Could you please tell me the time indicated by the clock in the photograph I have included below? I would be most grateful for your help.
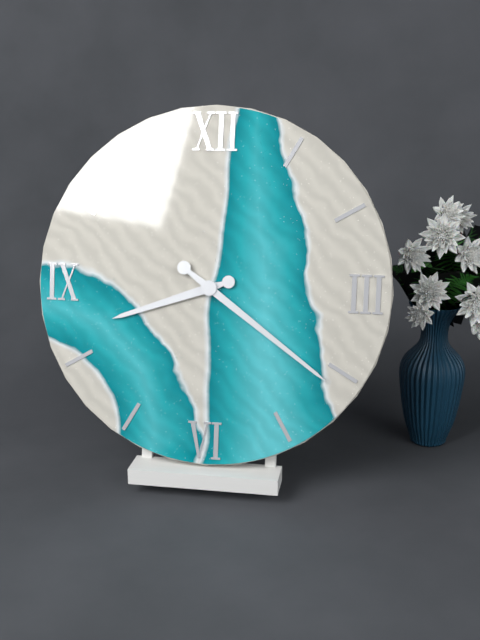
8:21
